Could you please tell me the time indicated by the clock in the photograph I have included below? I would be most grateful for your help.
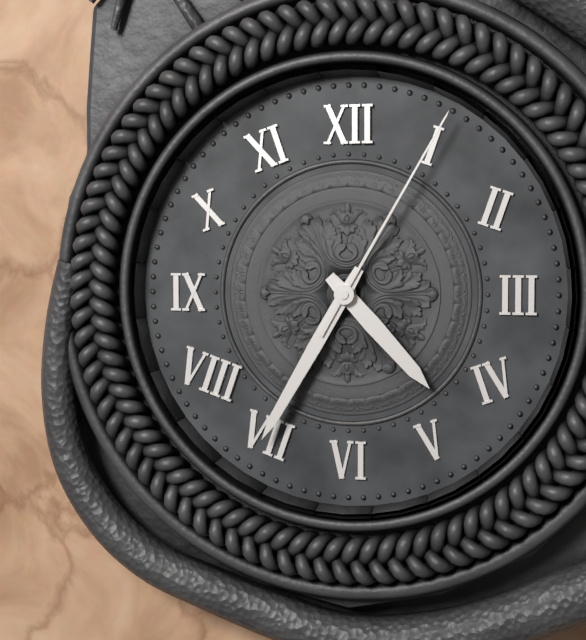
4:35:05
